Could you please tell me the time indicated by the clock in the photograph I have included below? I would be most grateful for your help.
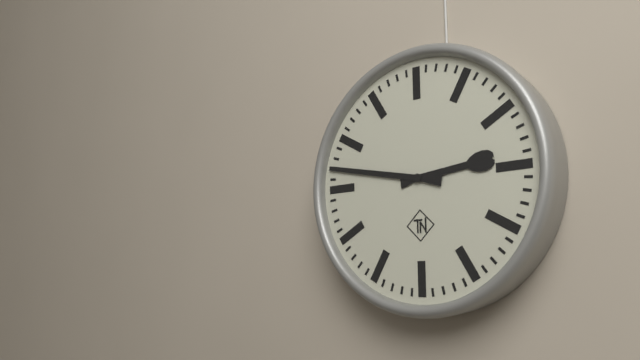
2:47
